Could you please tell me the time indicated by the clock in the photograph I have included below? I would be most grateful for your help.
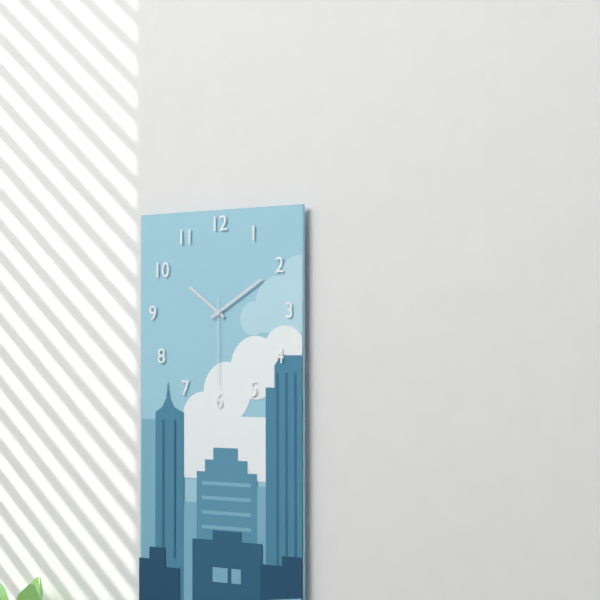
10:10:30
